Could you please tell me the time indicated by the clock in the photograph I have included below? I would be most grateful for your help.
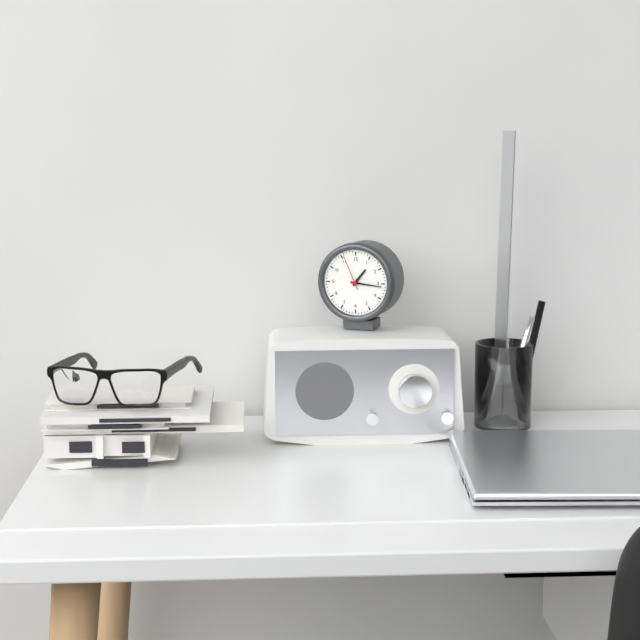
1:16
